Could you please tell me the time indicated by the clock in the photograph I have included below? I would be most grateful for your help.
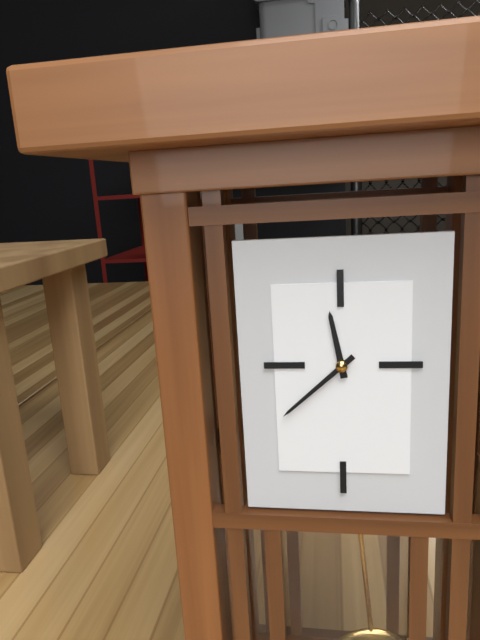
11:38
